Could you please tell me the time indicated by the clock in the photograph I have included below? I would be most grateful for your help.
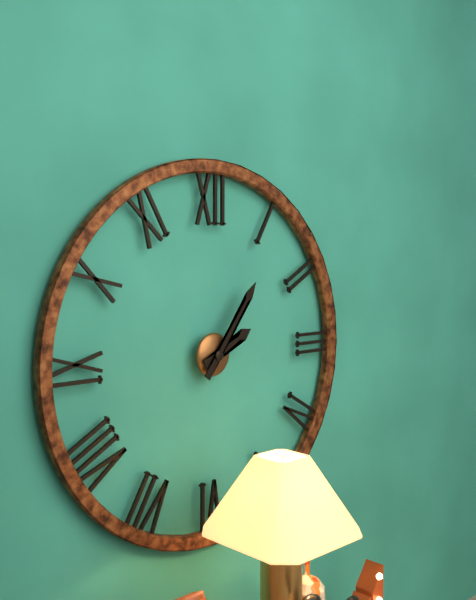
2:06
